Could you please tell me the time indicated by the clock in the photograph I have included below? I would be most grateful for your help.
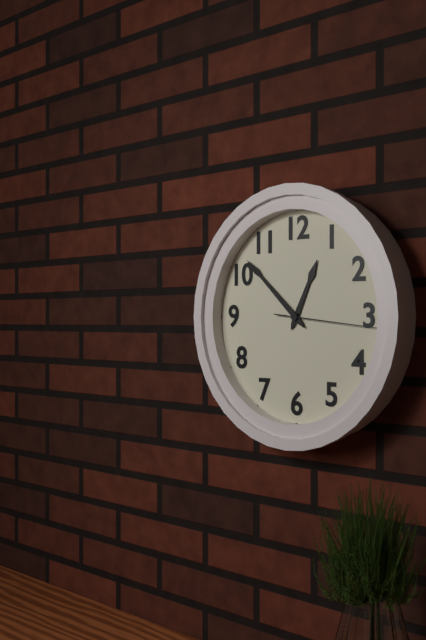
12:52:16
